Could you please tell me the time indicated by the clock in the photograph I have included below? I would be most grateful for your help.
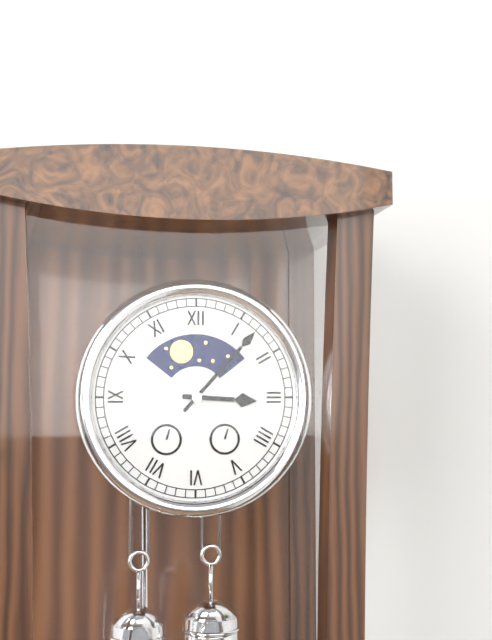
3:07
